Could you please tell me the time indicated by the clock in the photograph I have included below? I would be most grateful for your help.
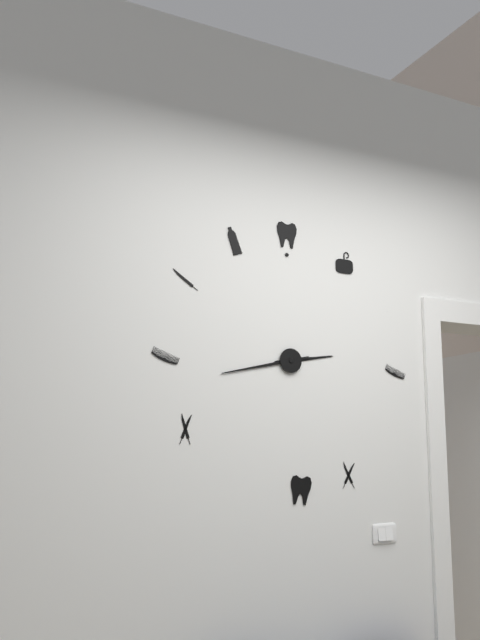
2:43
